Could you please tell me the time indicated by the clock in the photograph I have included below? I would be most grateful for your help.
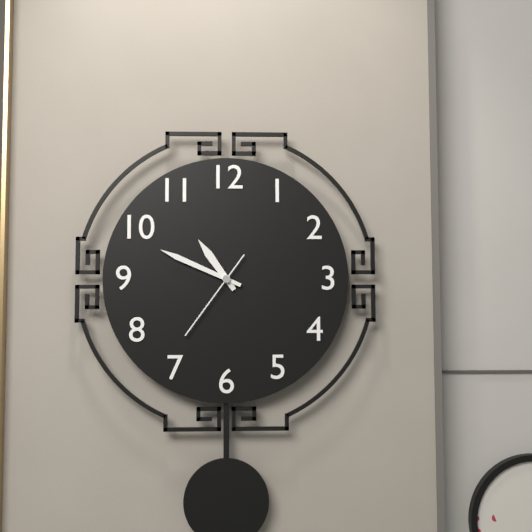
10:49:36
